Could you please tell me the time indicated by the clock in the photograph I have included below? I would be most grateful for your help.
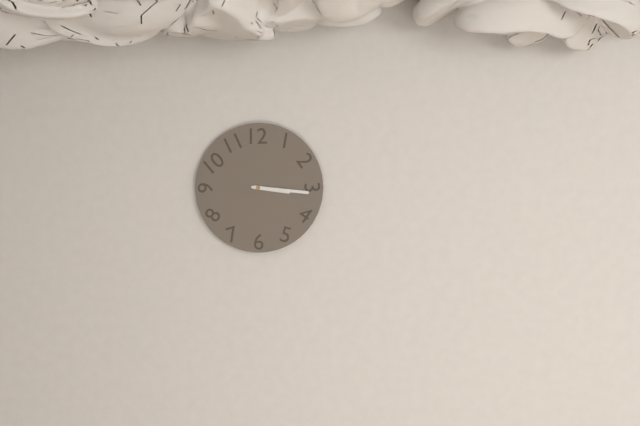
3:16
